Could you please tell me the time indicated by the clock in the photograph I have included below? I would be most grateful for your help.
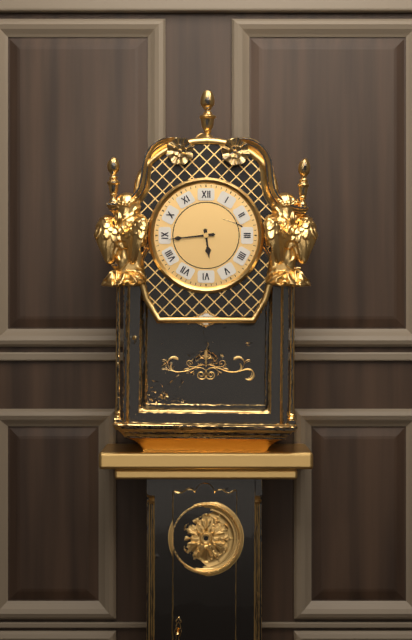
5:44
